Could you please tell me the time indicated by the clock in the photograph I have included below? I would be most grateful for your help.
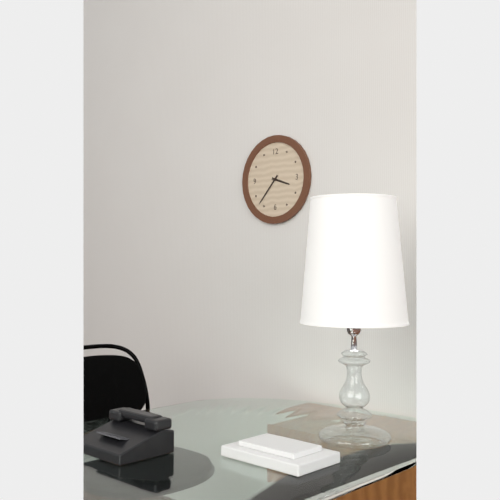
3:37
